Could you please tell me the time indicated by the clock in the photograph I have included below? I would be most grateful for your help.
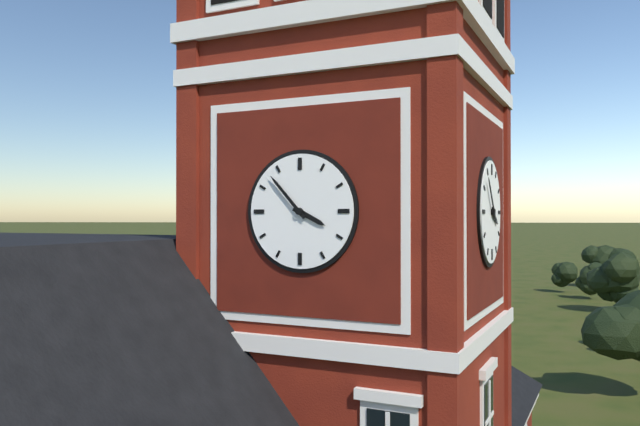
3:53
